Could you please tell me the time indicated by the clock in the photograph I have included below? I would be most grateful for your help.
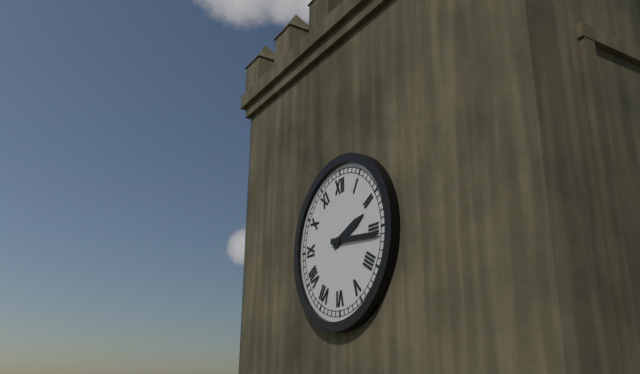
2:16
